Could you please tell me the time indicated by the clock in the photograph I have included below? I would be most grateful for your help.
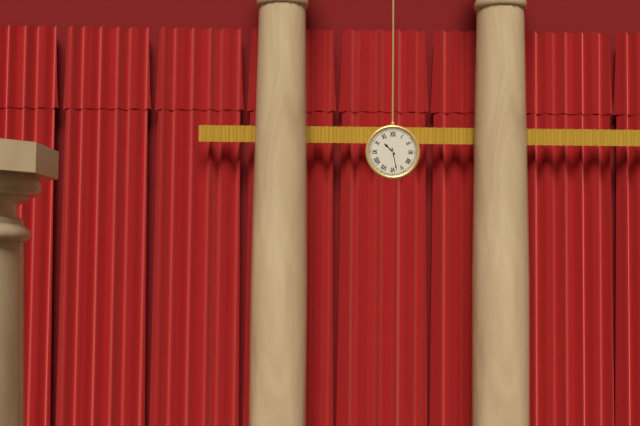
10:28
